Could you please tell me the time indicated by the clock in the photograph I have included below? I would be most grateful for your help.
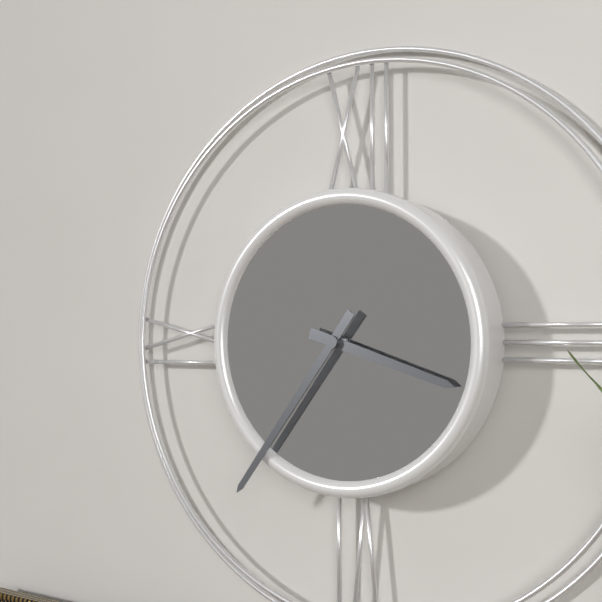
3:36
